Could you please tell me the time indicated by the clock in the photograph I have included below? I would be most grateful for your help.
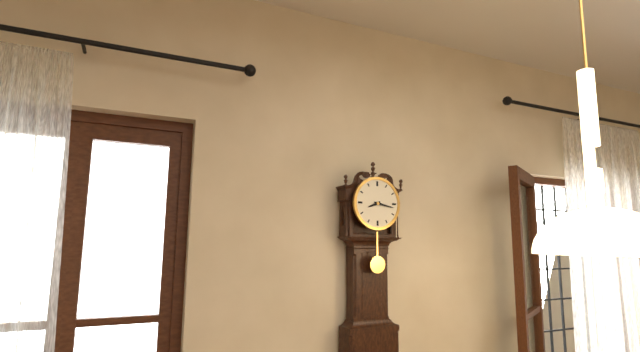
8:17
